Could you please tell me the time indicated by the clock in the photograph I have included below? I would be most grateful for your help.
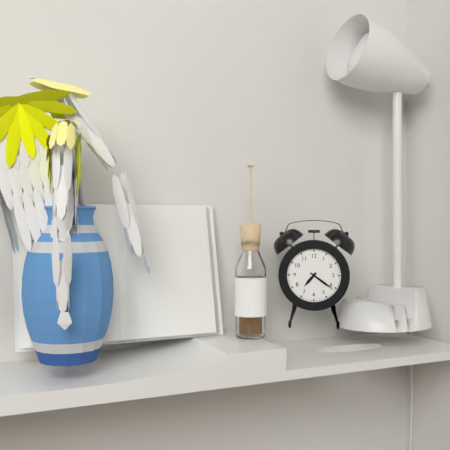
7:21
